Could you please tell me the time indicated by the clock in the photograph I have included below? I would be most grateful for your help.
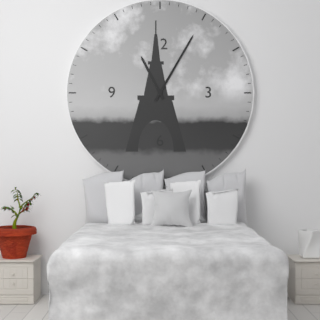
11:05
